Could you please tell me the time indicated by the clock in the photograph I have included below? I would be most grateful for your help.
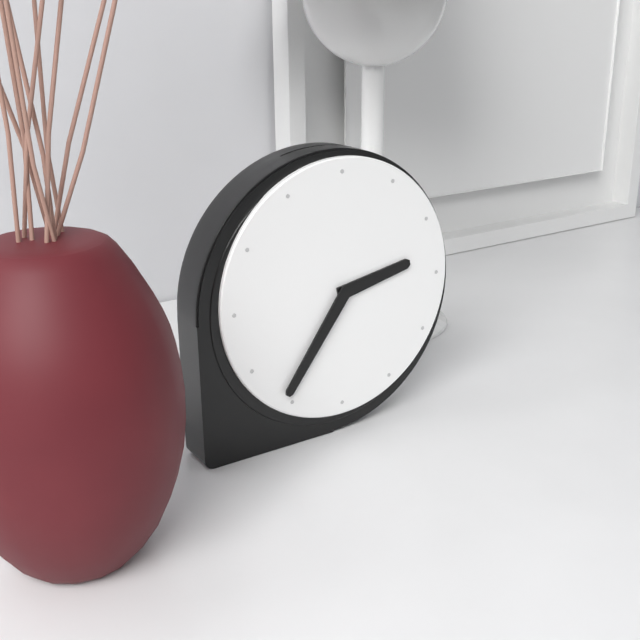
2:36
